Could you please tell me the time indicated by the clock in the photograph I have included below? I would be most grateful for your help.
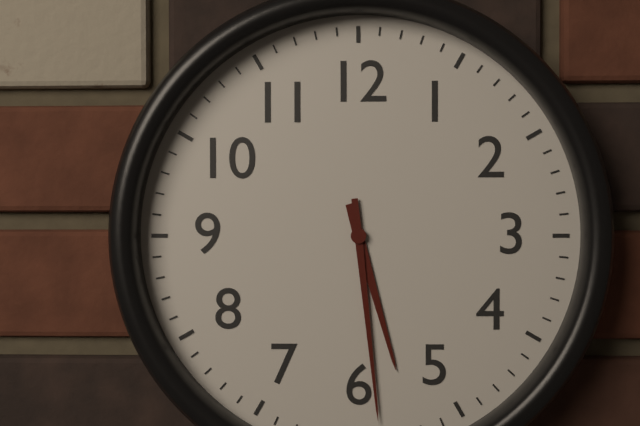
5:29
